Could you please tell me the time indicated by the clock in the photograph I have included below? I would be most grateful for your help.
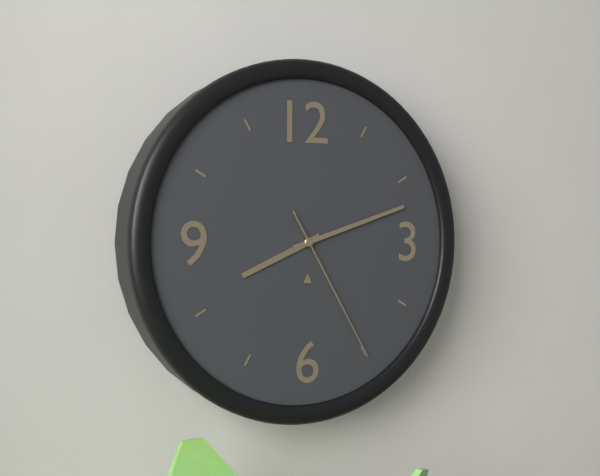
8:12:25
